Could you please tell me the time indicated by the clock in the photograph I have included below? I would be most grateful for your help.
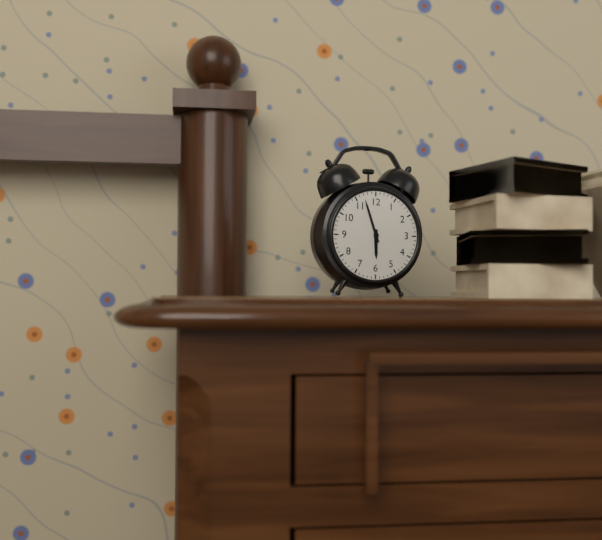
5:57
